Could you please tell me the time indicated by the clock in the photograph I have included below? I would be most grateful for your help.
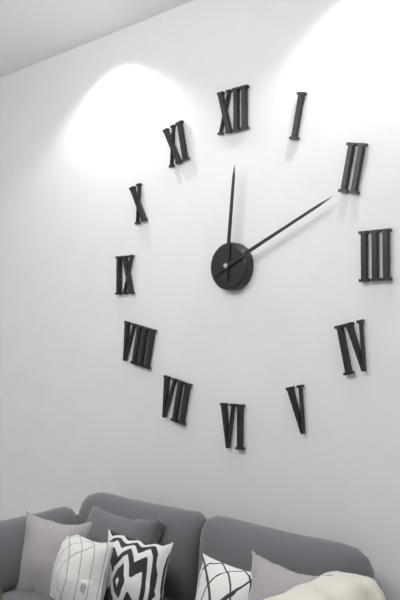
12:11
